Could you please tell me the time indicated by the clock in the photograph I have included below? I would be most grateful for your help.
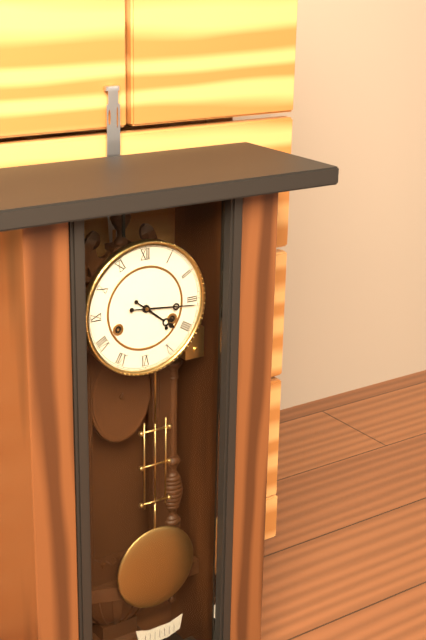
4:16
